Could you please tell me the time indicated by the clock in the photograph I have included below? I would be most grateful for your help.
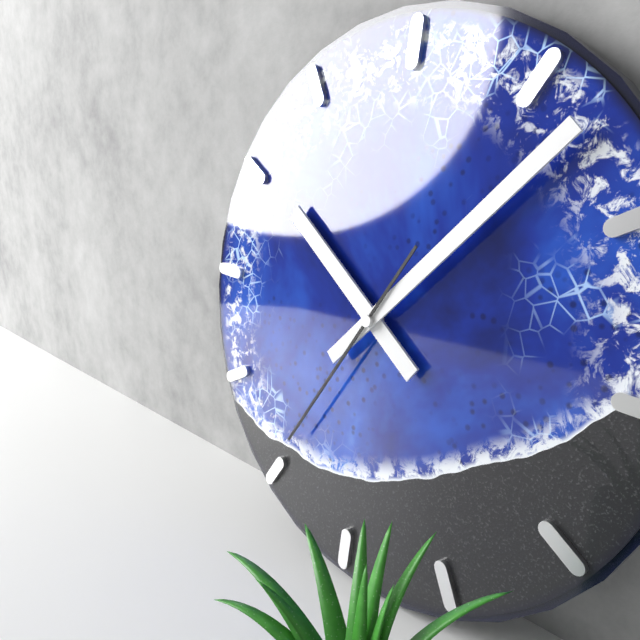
10:07:35
